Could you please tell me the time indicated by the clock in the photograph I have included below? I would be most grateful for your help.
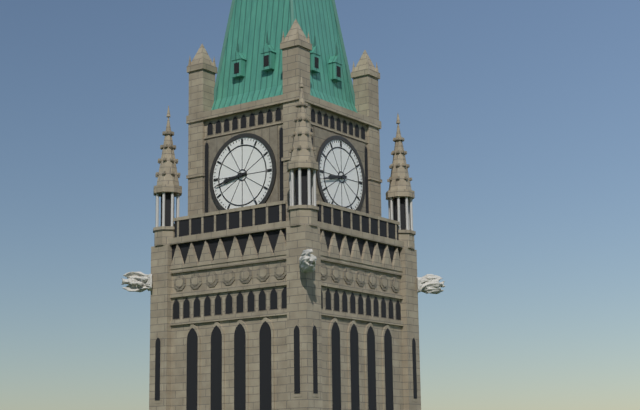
8:43
